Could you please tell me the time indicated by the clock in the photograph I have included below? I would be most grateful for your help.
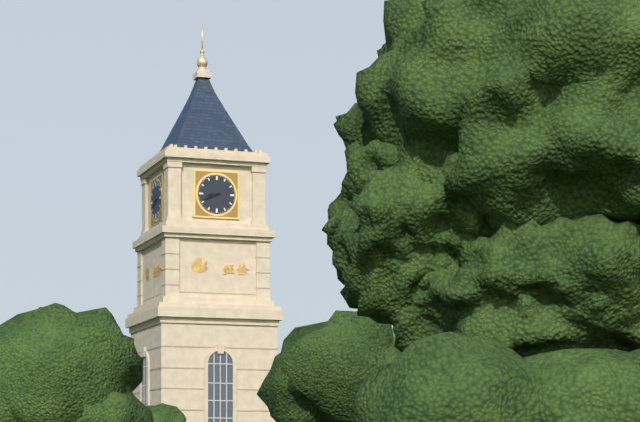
8:41
